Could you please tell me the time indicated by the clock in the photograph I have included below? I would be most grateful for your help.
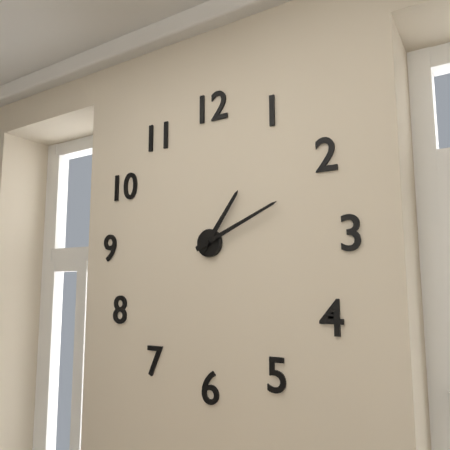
1:11
